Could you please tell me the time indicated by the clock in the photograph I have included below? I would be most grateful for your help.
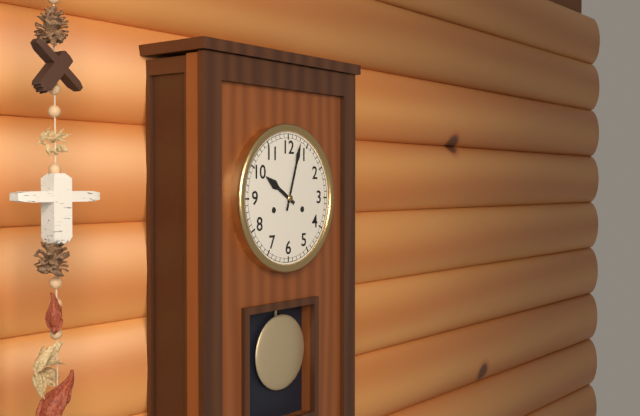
10:03
